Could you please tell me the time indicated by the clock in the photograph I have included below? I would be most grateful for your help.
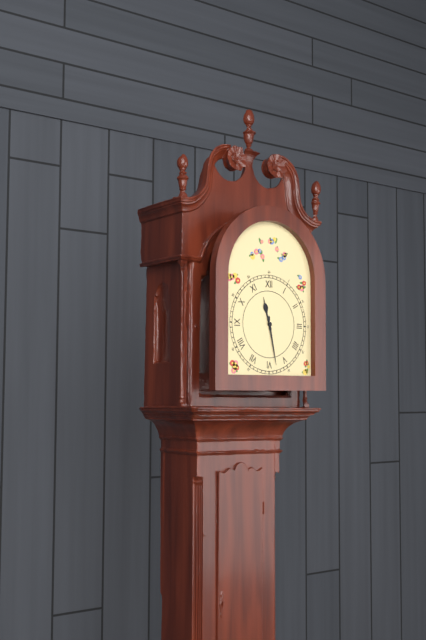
11:28
